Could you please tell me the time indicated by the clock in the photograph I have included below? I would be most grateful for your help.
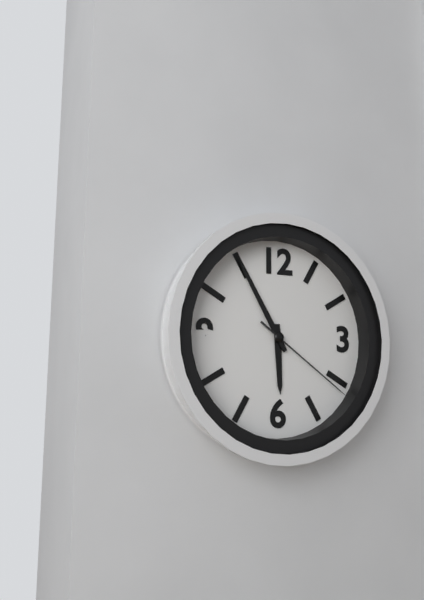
5:55:21
